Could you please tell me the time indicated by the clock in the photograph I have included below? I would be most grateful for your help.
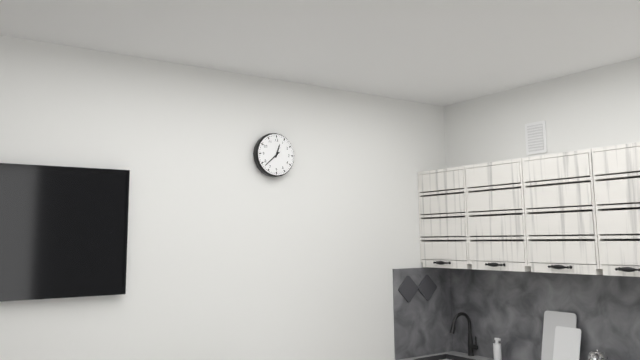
12:38
